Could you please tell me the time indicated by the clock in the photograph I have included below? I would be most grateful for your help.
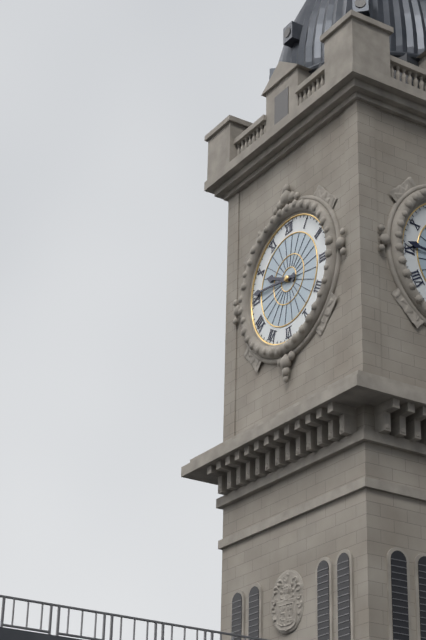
9:46
